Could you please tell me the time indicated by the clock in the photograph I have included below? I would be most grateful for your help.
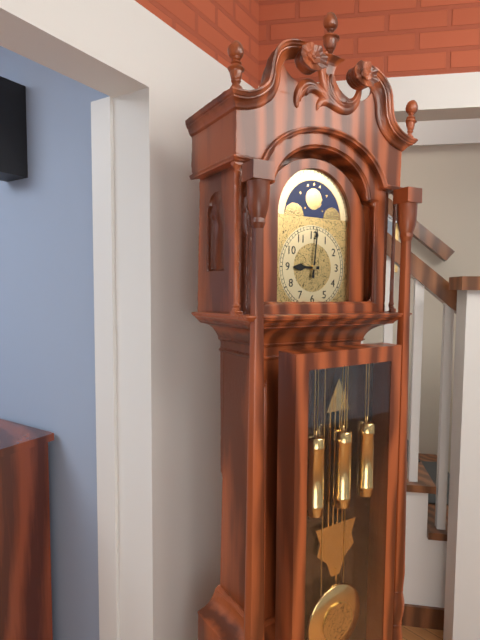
9:01
